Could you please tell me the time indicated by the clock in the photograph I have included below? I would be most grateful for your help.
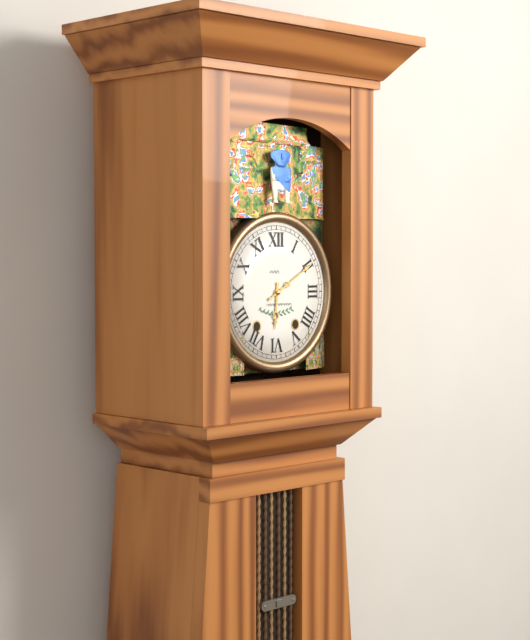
6:10
